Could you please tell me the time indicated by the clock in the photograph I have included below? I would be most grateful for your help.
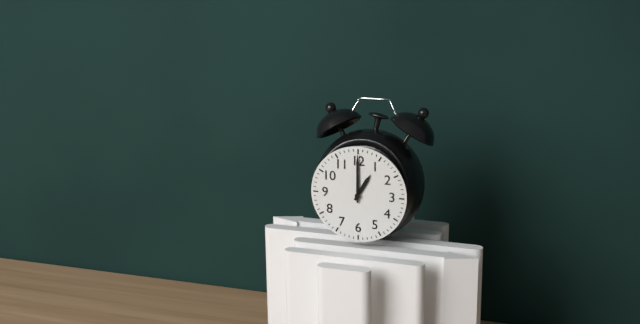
1:00
